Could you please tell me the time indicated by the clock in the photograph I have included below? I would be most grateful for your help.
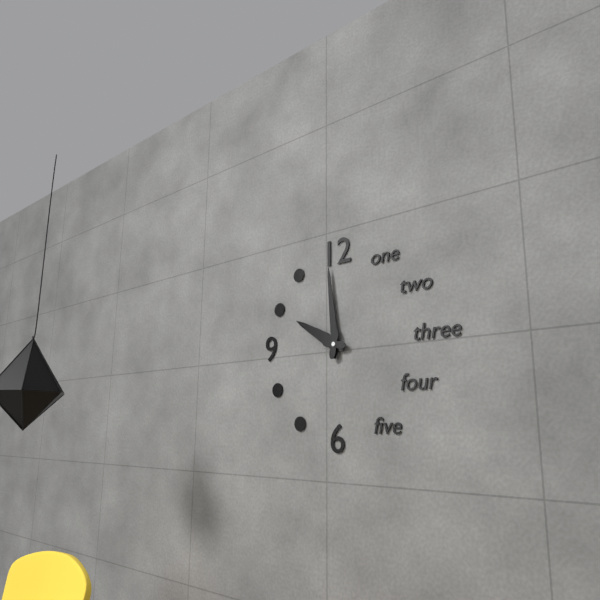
9:59
